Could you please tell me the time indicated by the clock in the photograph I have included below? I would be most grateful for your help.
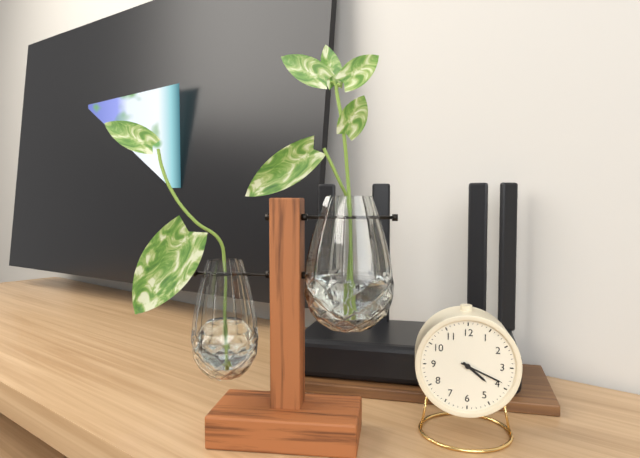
4:19
